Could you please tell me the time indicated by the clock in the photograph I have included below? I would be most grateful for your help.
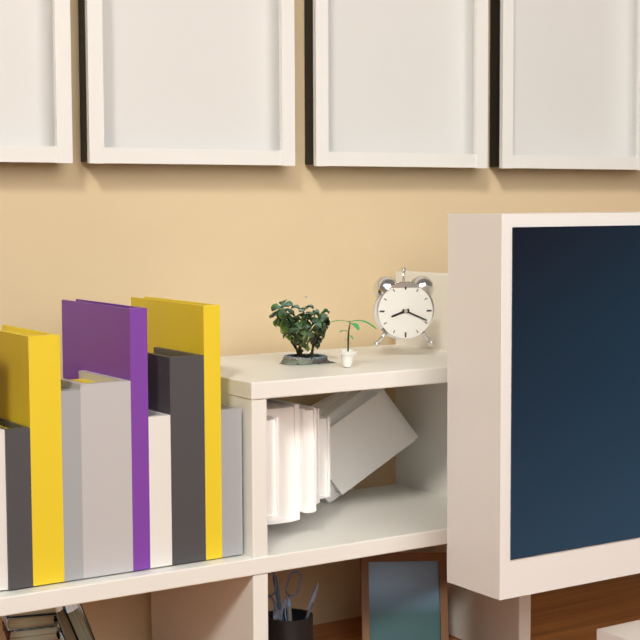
8:19
